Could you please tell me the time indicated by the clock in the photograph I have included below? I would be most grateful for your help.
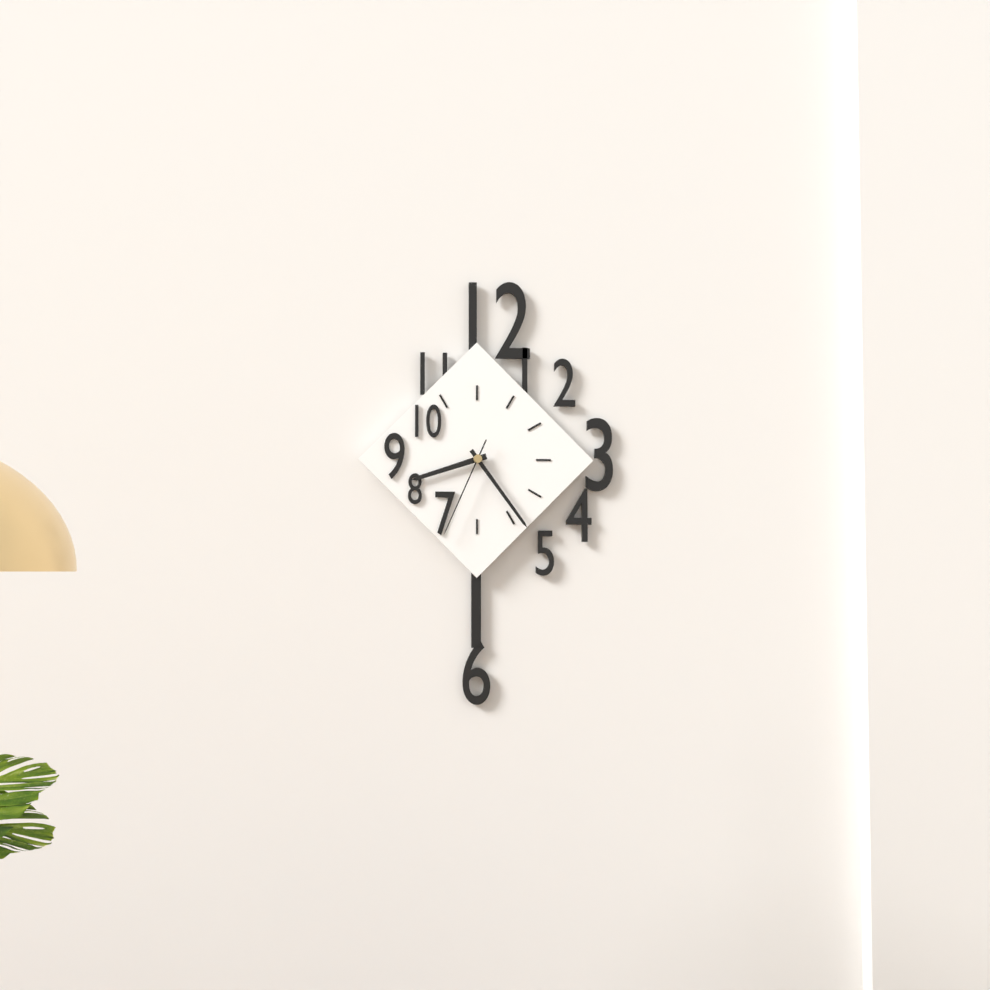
8:24:34
